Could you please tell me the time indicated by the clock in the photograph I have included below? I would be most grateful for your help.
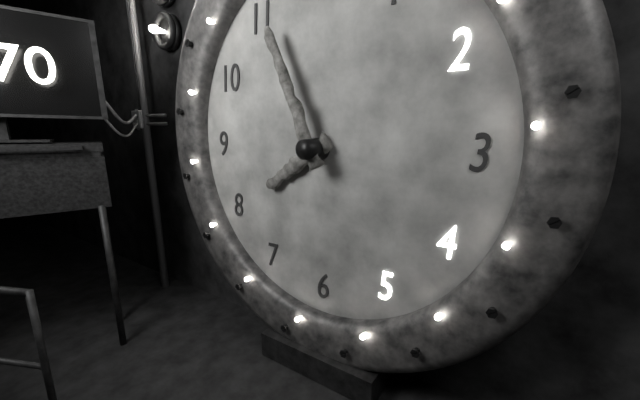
7:56
